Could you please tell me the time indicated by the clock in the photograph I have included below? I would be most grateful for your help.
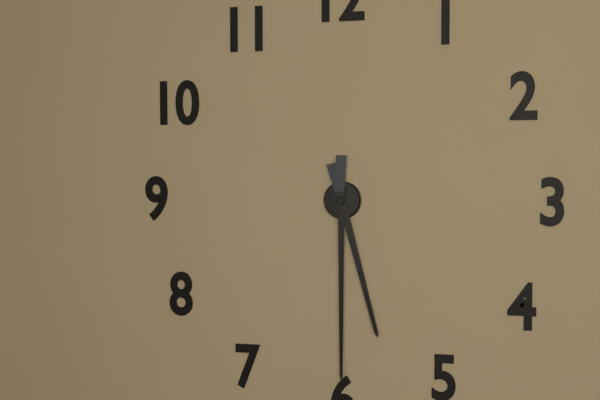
5:30
